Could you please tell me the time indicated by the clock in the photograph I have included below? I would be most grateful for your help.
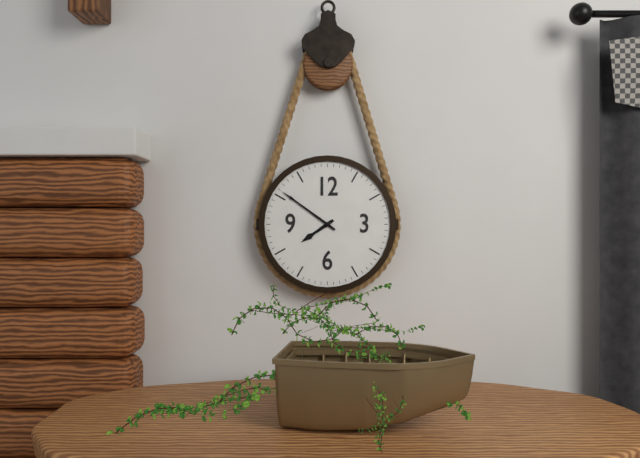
7:51
